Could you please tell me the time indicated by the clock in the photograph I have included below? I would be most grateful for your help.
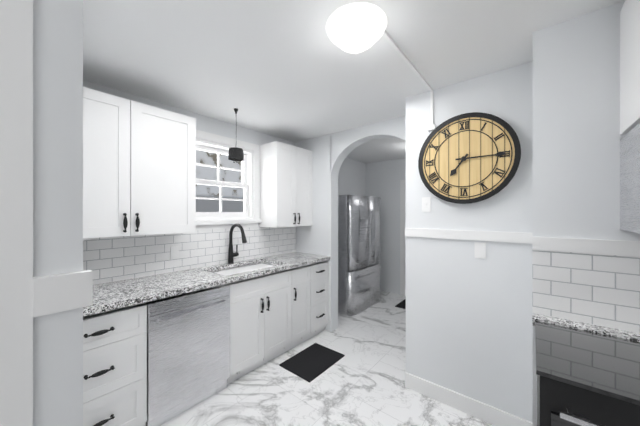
7:15
